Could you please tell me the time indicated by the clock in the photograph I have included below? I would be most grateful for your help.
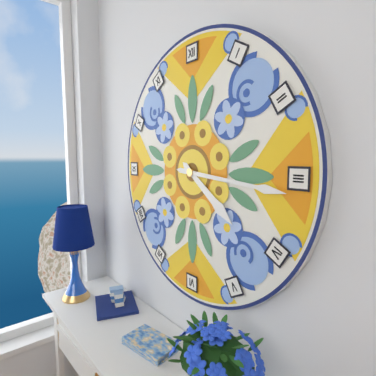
4:16
